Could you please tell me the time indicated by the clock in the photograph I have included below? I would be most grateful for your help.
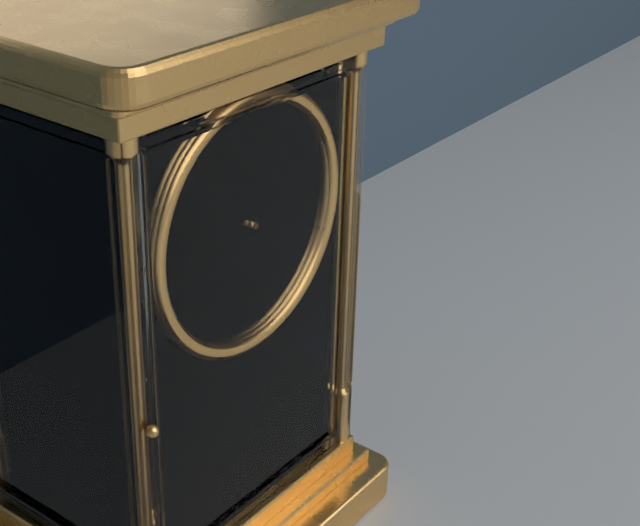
5:04
